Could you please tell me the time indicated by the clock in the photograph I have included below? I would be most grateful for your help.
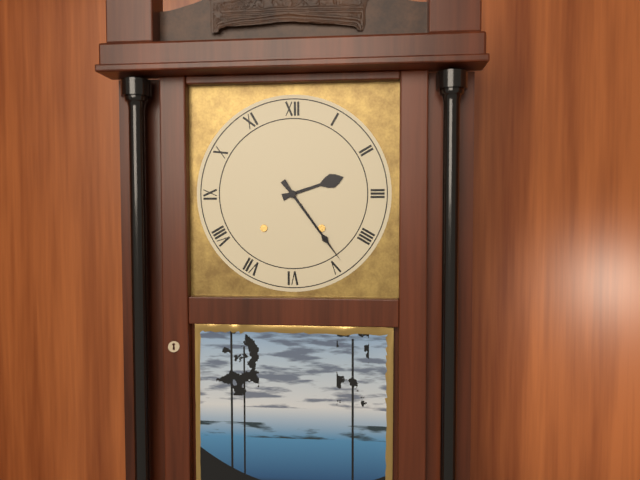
2:24
